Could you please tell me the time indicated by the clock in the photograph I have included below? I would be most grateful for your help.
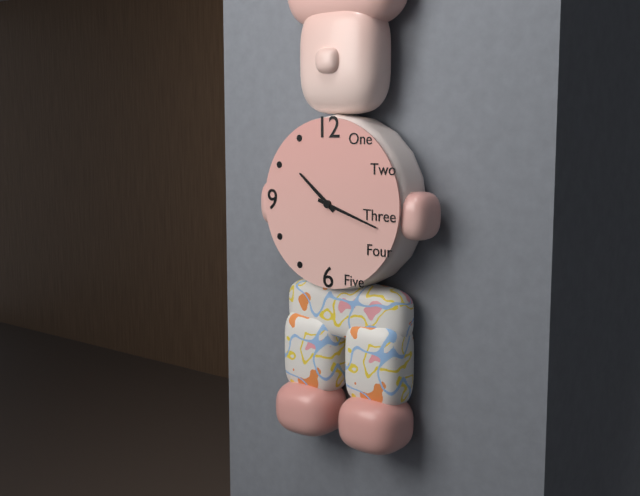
10:18
